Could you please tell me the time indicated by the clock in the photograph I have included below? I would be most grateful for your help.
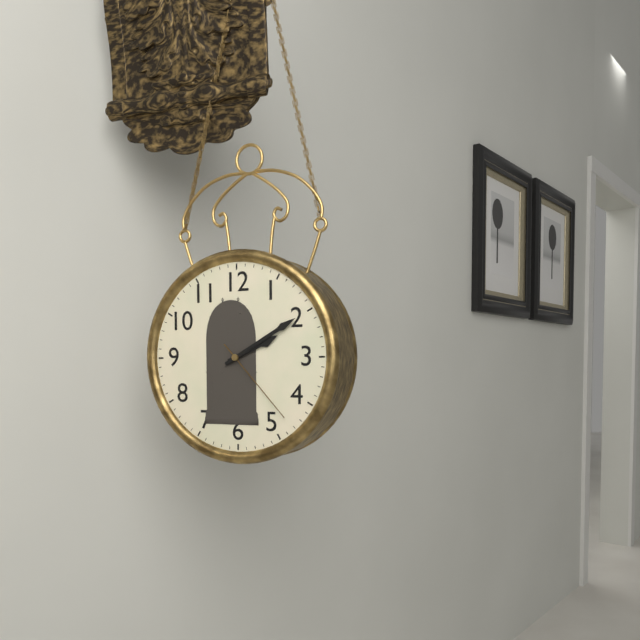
2:10:23
